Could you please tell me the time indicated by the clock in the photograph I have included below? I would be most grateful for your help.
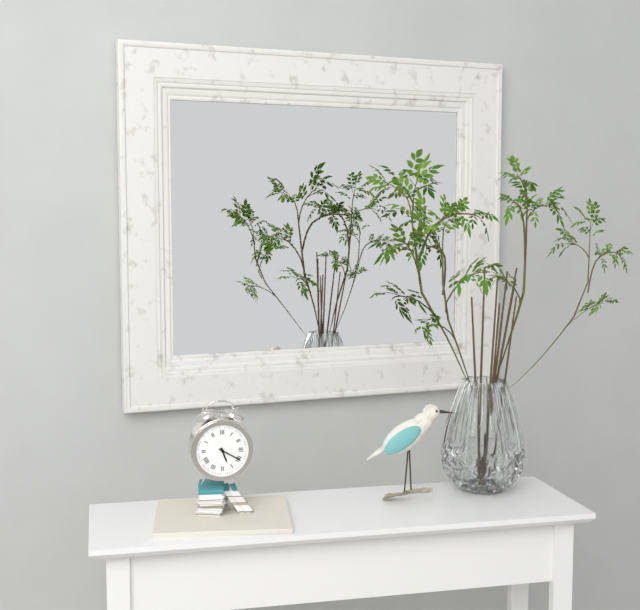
5:20
